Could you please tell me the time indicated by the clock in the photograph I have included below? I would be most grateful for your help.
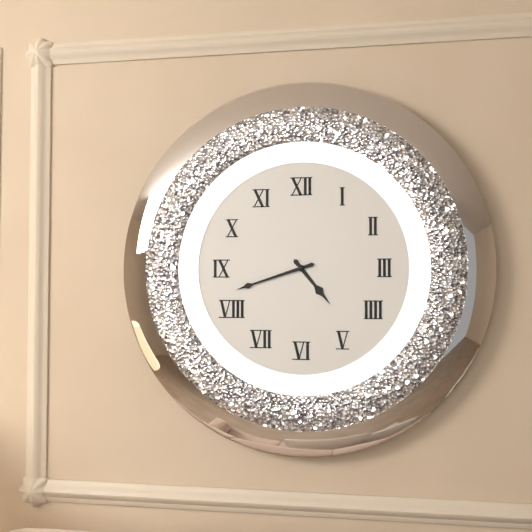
4:42
